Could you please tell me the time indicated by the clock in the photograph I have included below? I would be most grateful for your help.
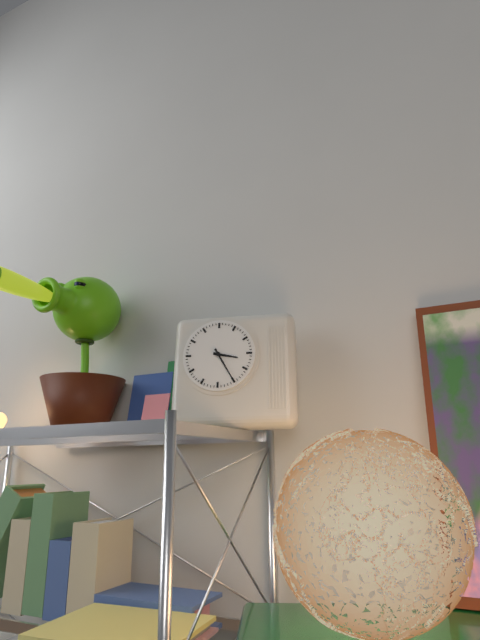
3:25
